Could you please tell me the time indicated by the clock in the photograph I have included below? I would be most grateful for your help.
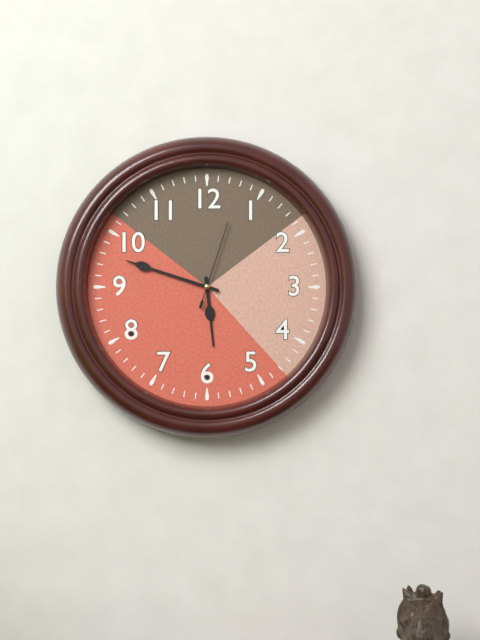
5:48:03
